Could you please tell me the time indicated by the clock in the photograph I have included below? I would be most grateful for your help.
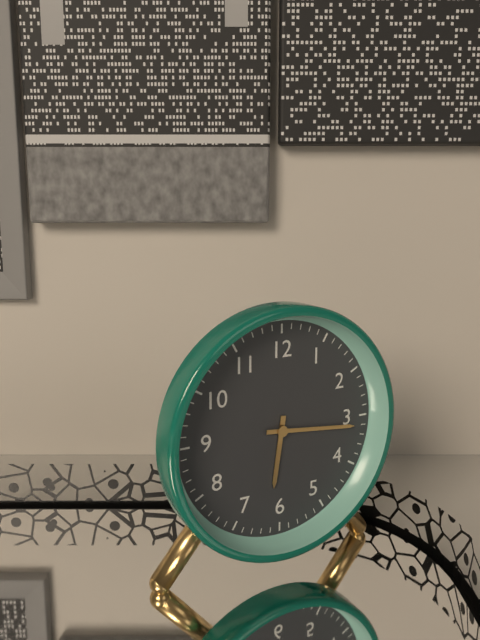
6:16
